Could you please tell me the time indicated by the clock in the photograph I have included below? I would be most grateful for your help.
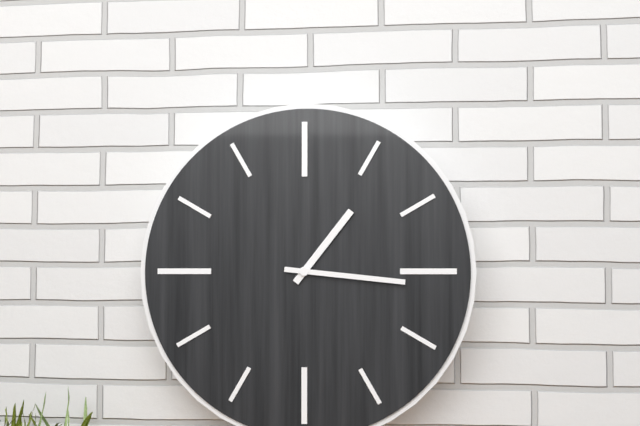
1:16
